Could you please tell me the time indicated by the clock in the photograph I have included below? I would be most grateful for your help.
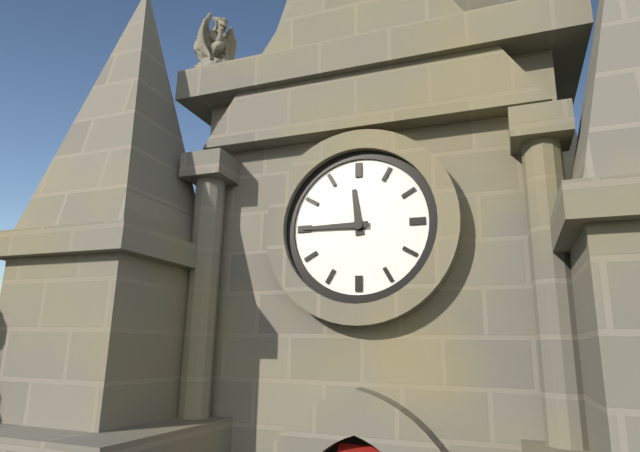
11:45
